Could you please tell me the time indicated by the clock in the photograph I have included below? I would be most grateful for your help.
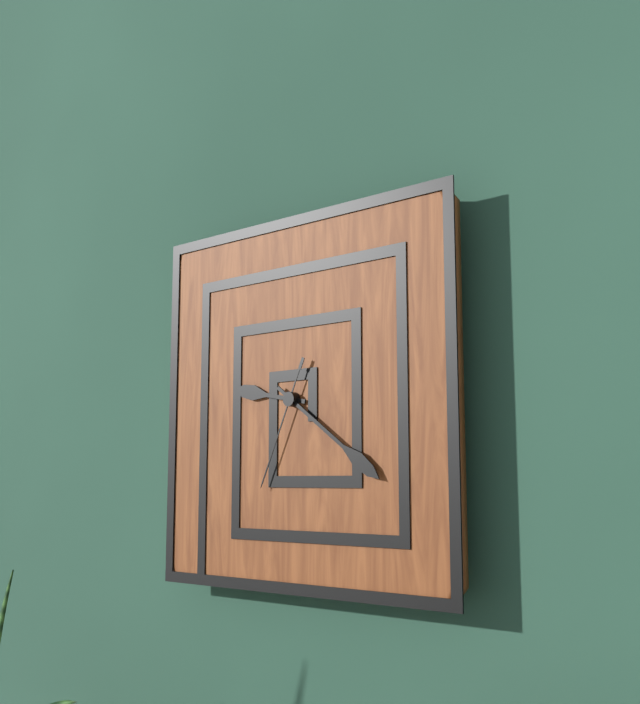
9:21:34
